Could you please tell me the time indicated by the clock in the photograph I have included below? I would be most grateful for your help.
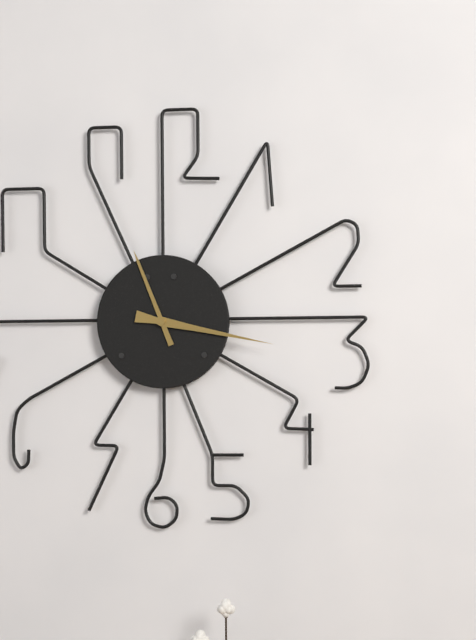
11:17
